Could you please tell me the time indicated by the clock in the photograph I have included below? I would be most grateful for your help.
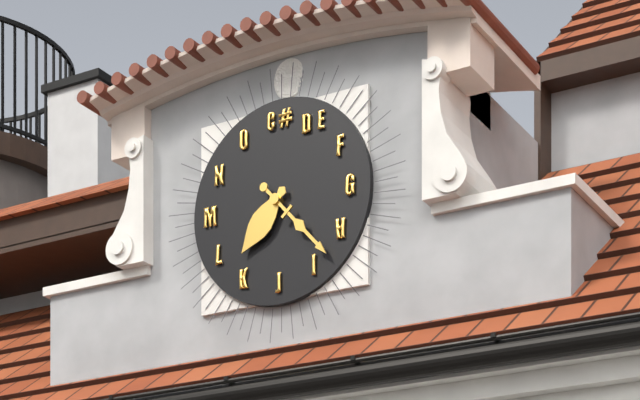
7:23
